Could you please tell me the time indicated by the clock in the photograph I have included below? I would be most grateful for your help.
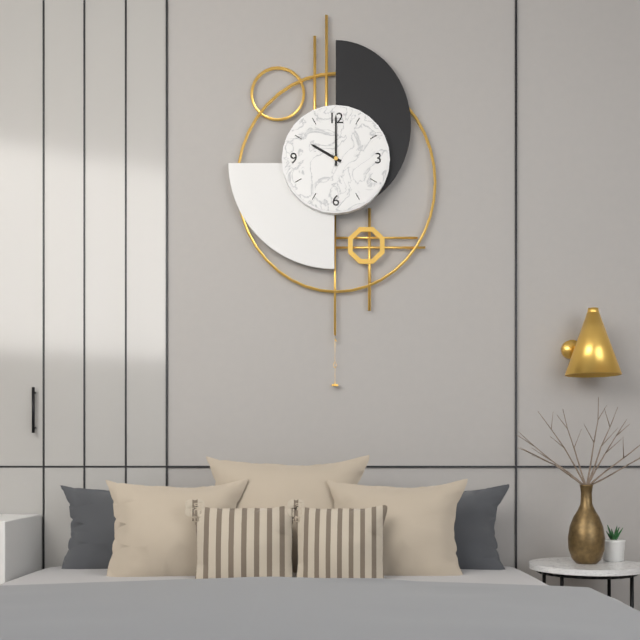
10:00
